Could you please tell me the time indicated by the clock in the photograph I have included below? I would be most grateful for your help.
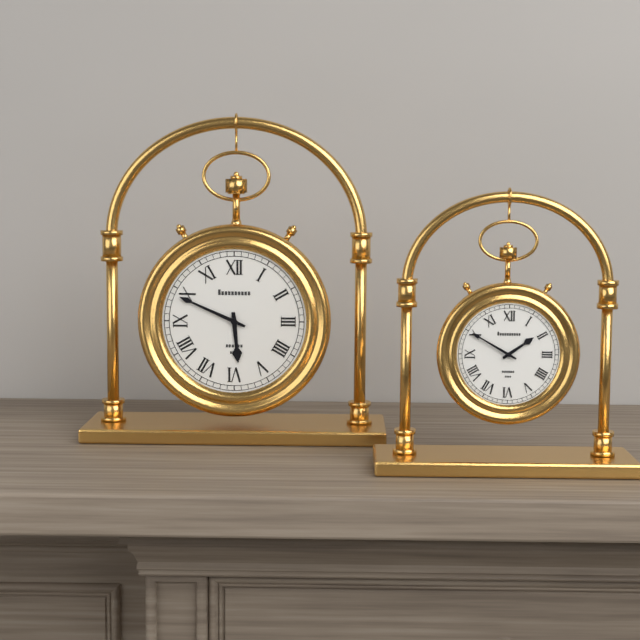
5:49
